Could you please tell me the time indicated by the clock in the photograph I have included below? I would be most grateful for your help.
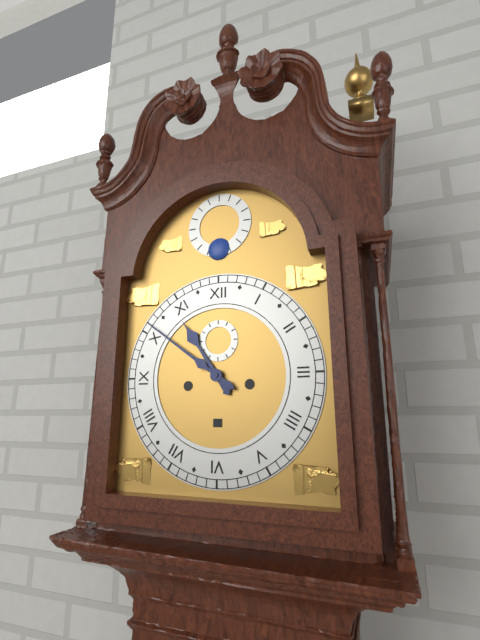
10:51
